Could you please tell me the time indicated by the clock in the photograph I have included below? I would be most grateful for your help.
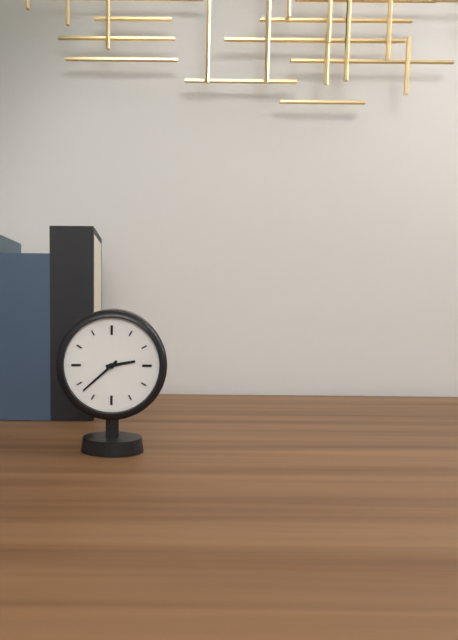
2:38
